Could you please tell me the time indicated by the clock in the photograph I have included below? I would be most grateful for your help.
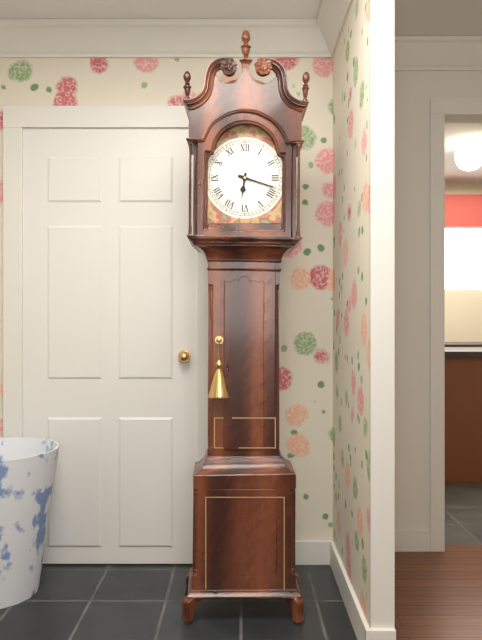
6:18
